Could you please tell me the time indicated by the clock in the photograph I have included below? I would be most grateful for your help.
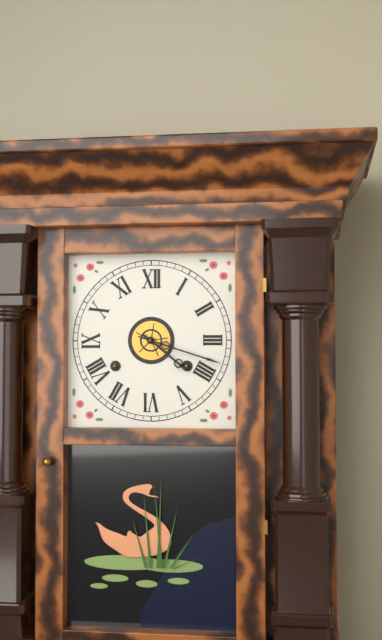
4:18
